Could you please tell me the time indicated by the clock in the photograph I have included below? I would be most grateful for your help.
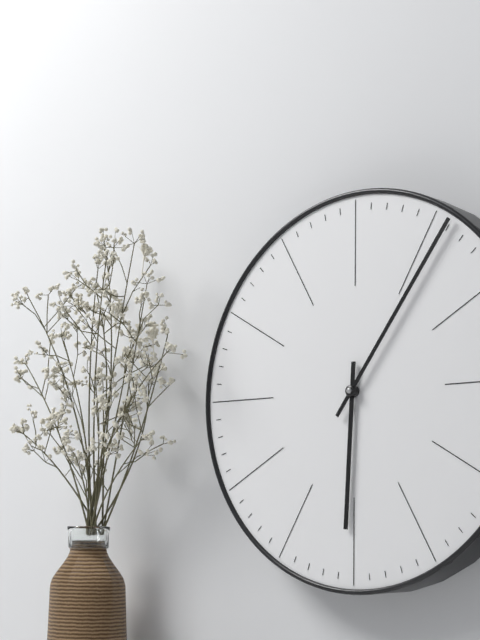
6:06
